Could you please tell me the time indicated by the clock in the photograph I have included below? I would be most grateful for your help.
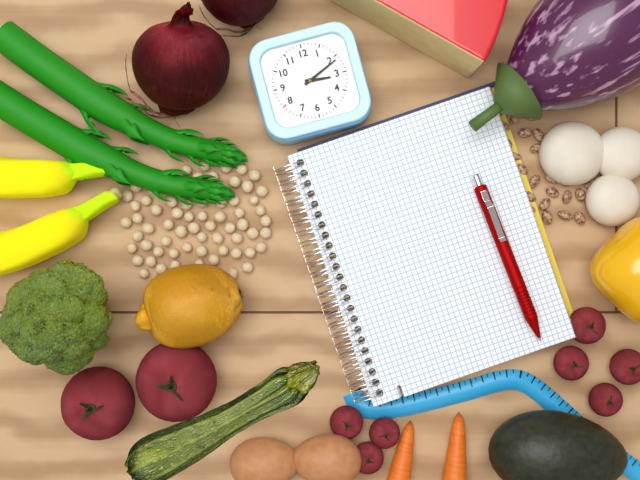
3:11
